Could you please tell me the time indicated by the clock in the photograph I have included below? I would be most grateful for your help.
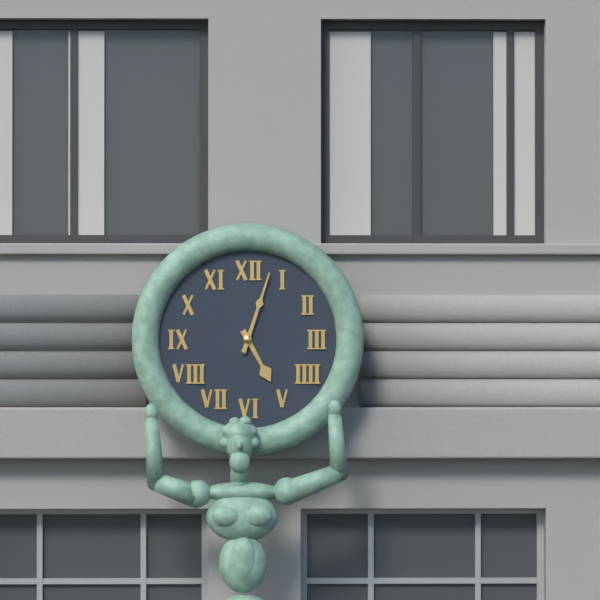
5:03
